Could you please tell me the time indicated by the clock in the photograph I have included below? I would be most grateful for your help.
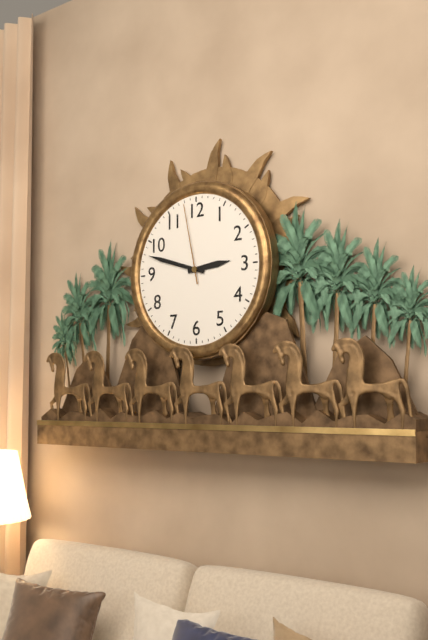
2:48:58
